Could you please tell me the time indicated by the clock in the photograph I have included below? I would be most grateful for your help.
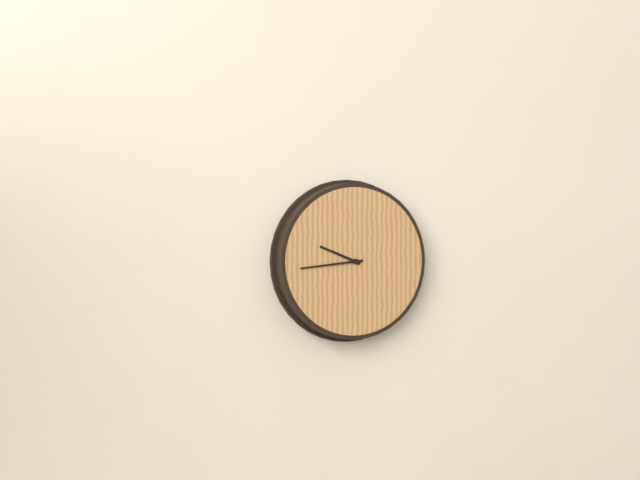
9:44
